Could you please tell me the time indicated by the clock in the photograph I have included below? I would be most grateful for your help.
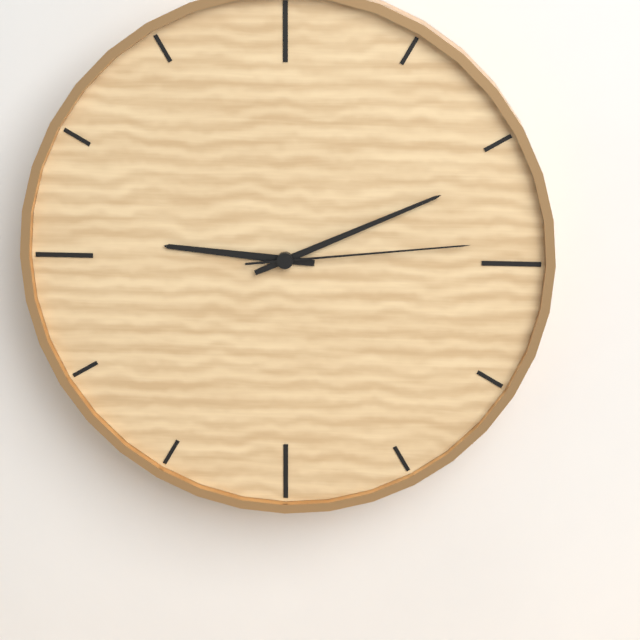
9:11:14
